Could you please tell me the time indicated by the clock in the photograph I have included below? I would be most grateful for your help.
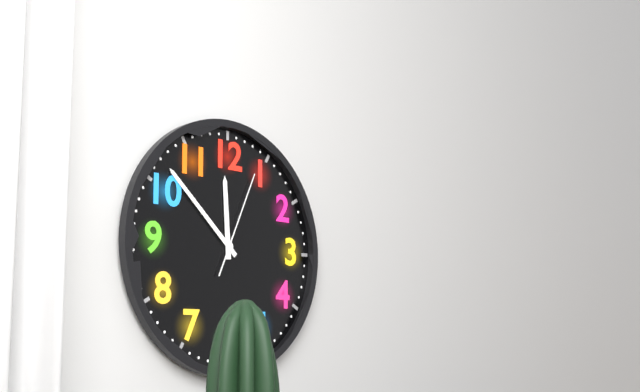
11:52:04
